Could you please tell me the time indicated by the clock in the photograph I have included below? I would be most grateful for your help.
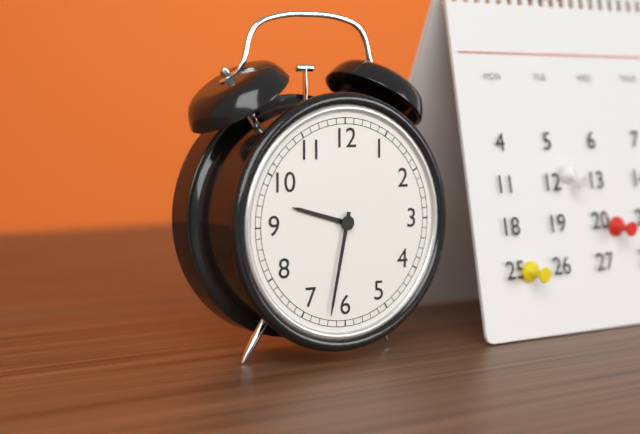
9:32
